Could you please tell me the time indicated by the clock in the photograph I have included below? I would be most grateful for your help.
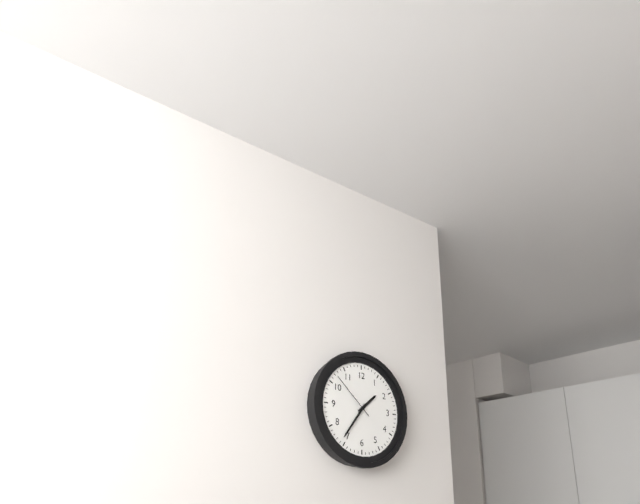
1:36:52
